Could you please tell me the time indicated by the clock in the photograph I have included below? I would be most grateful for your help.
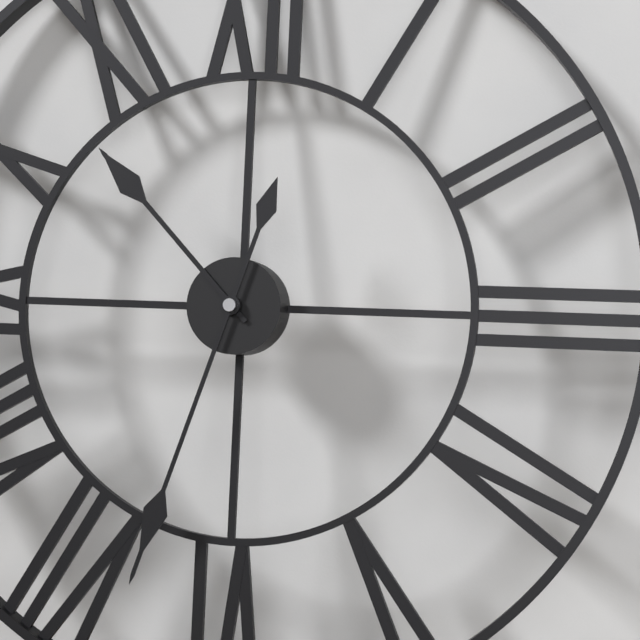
10:33
